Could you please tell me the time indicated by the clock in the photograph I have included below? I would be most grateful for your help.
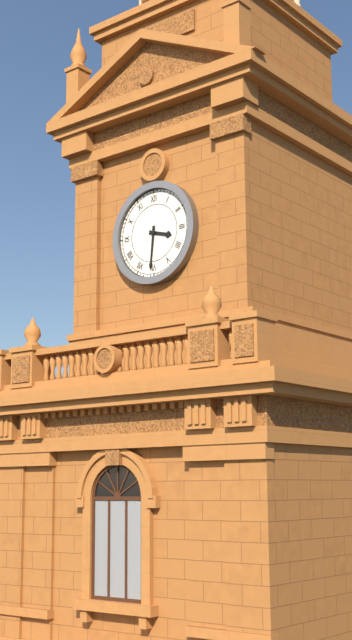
3:31
